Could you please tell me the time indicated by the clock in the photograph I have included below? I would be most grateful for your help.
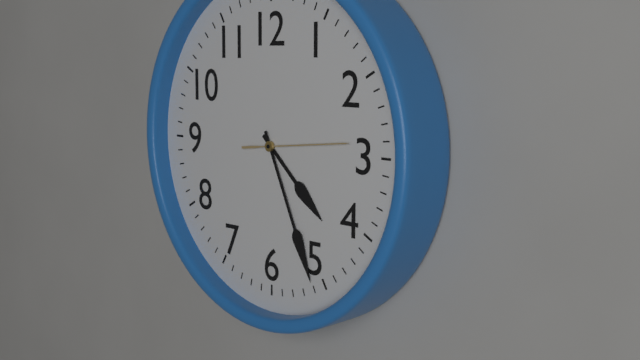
4:26:14
